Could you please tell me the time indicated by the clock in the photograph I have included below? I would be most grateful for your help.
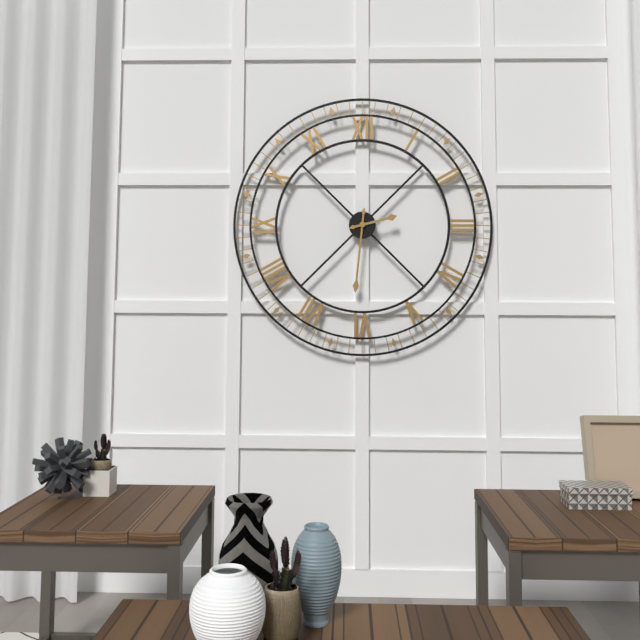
2:31
